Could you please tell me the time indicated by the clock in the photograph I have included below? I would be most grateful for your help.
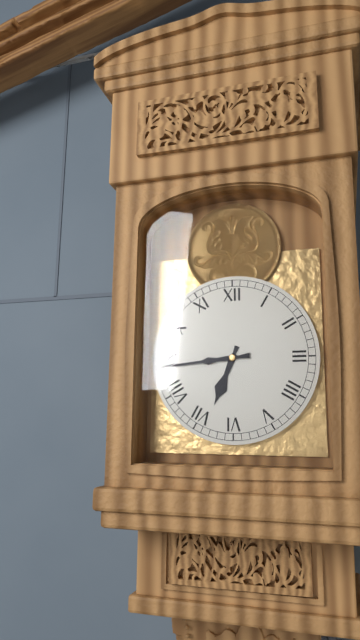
6:44
